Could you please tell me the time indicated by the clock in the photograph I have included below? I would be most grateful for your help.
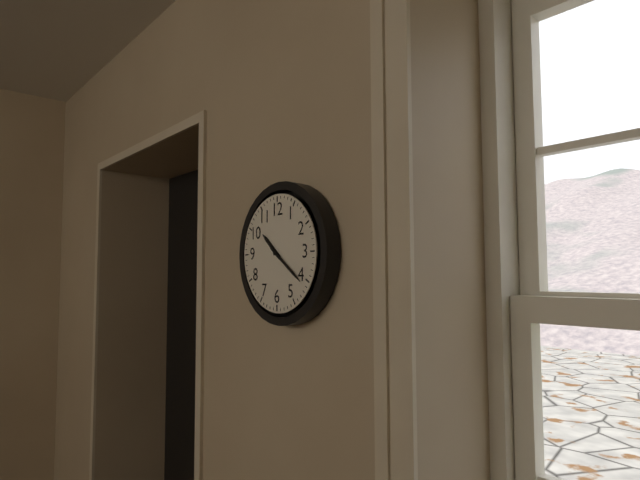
10:21
